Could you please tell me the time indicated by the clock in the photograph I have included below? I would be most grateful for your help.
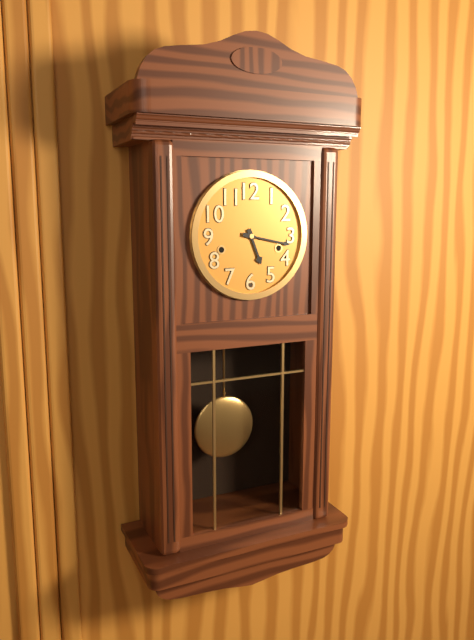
5:17
